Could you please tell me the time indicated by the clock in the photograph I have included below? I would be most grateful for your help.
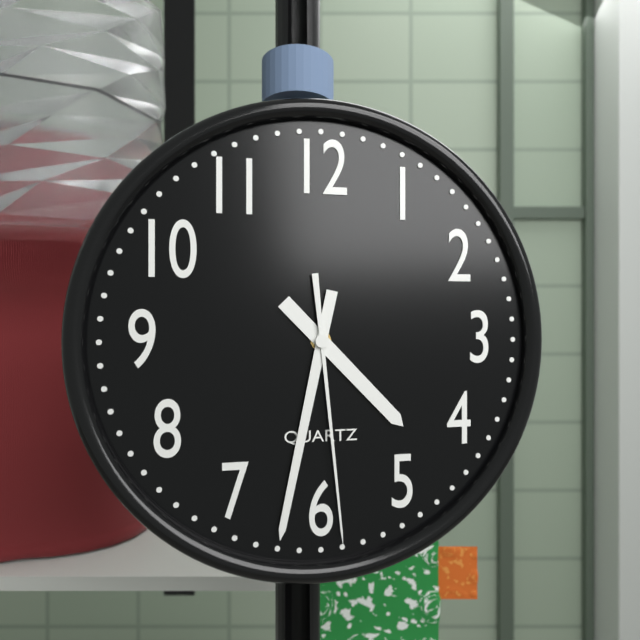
4:32:29
